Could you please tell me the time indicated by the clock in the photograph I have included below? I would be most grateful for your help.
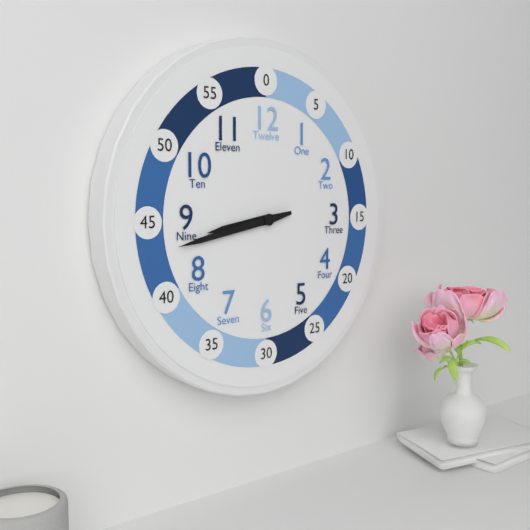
8:43
